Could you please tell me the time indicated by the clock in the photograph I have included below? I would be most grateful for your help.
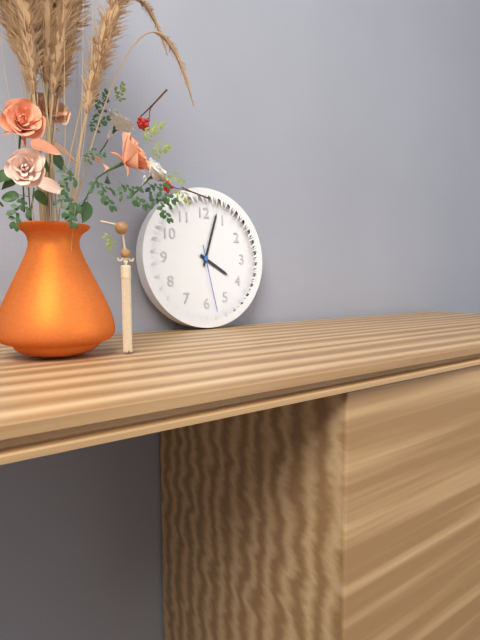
4:03:28
